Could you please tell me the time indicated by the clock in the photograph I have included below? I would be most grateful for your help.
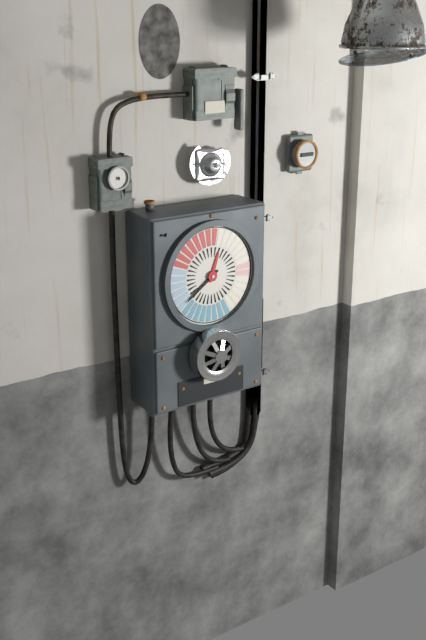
12:39
